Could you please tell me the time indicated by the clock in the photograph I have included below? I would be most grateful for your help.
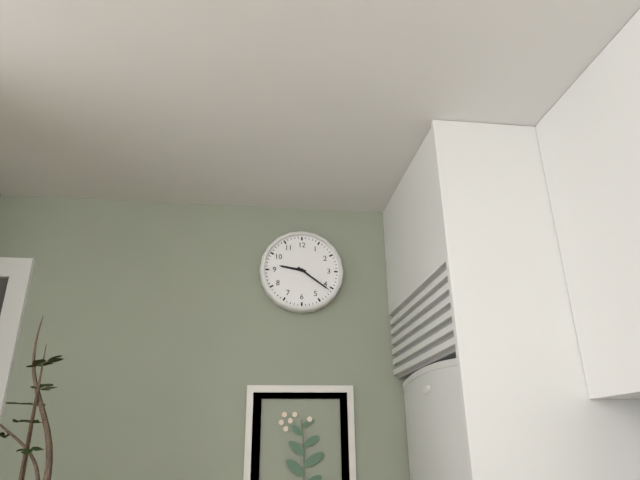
9:21
